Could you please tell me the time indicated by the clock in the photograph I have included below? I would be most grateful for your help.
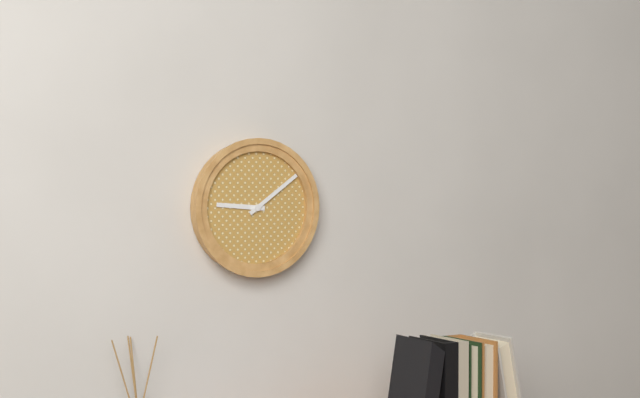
9:09
